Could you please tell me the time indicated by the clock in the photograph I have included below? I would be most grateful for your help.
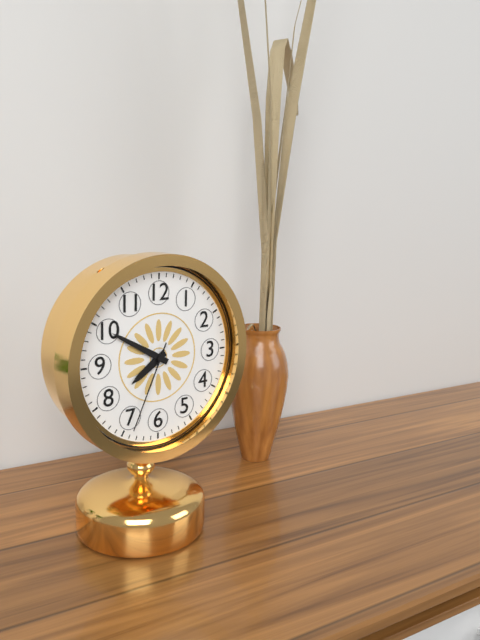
7:50:34
